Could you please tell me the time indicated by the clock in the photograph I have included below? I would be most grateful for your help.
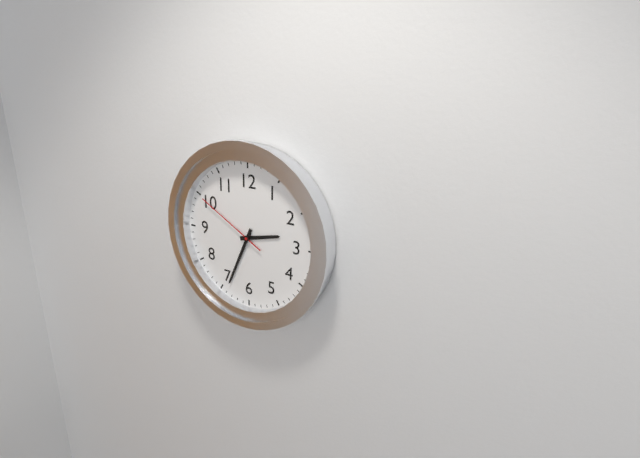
2:34:50
